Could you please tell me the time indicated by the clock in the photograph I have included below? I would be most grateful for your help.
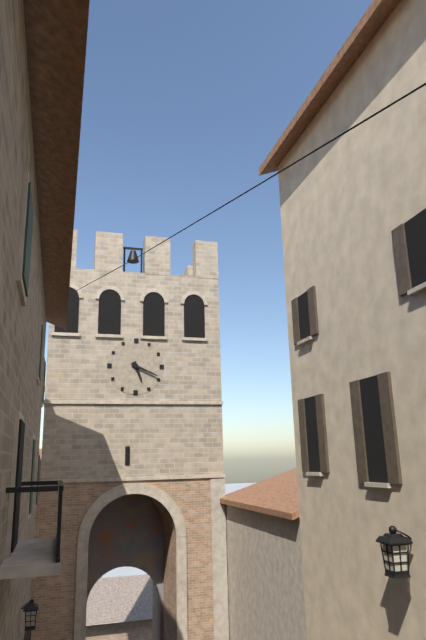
5:19
